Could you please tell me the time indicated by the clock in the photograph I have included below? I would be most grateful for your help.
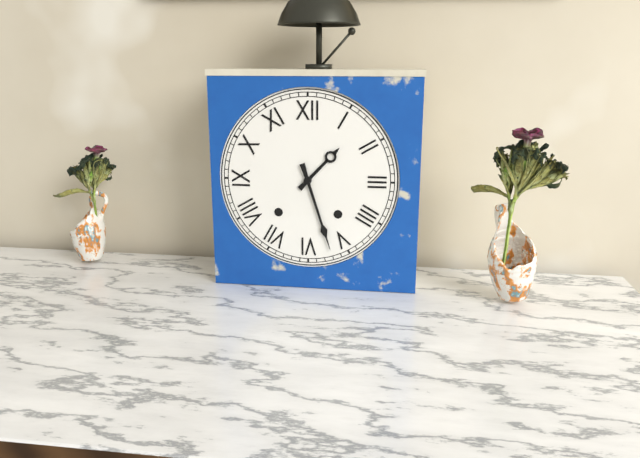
1:27
